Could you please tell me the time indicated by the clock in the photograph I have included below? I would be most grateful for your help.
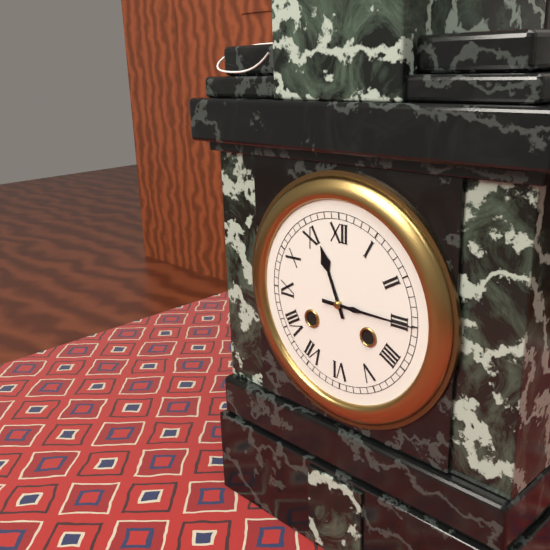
11:15
